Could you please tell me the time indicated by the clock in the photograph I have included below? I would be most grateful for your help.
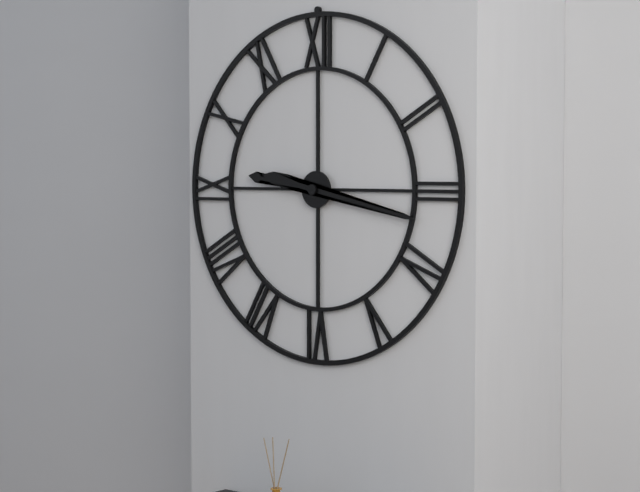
9:17
